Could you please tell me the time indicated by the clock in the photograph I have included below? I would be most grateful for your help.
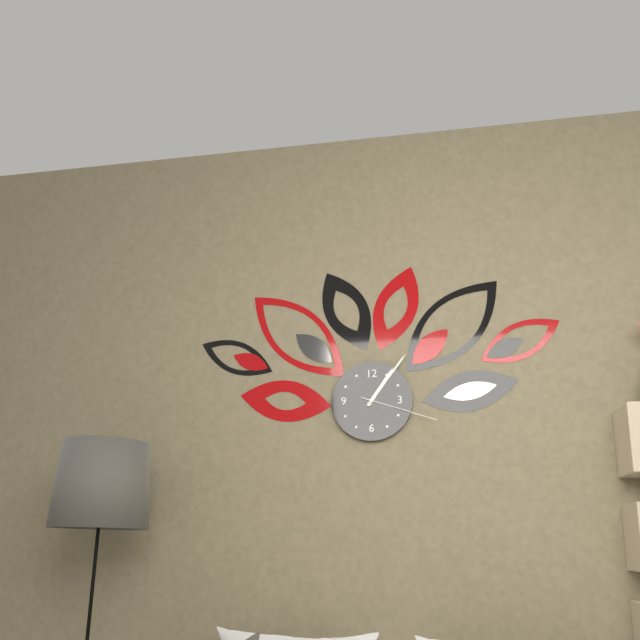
1:06:18
